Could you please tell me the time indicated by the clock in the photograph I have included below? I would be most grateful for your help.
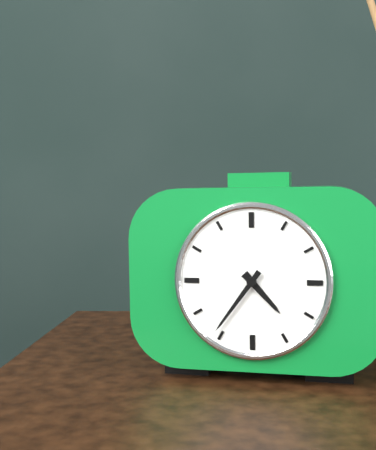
4:36
